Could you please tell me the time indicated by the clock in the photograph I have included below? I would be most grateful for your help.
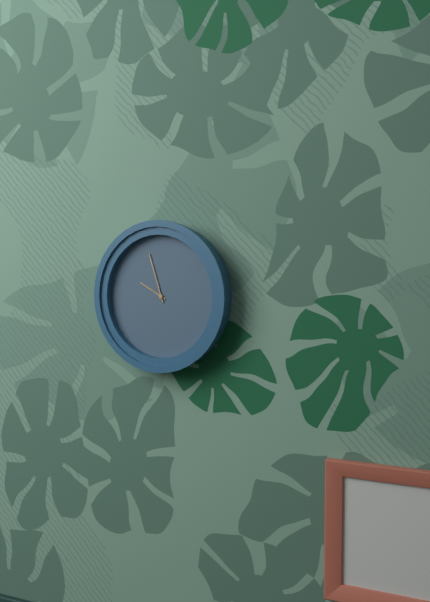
9:57
